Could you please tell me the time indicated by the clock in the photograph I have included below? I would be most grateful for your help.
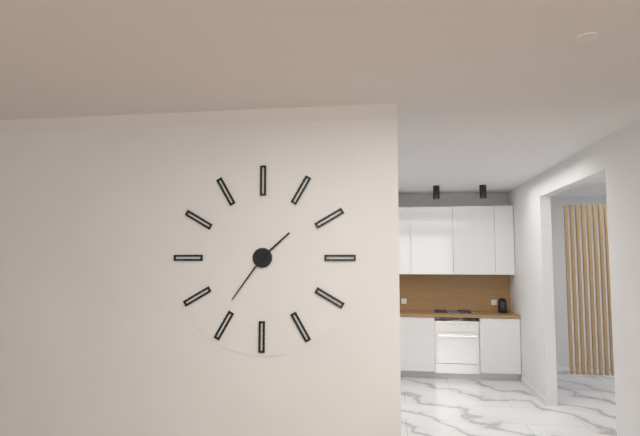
1:36
